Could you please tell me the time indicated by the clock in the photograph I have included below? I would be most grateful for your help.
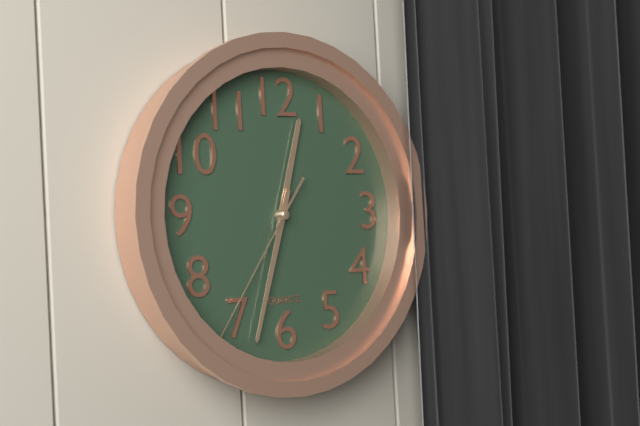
12:33:36
